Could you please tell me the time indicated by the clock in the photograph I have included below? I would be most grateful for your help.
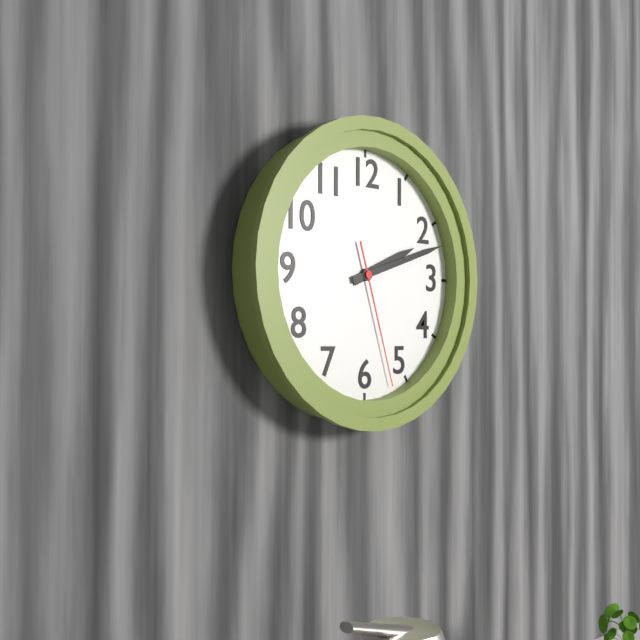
2:12:27
